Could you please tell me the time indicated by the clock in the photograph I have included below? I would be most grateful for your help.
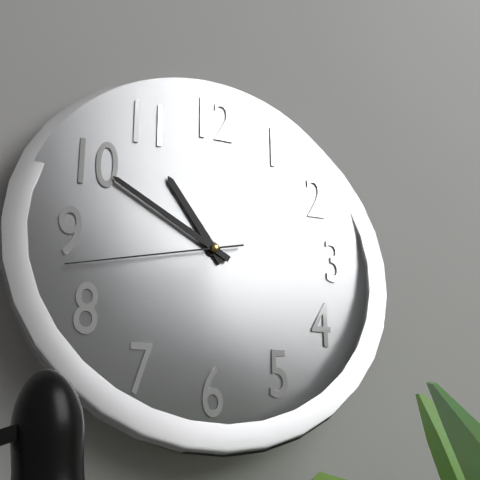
10:50:43
